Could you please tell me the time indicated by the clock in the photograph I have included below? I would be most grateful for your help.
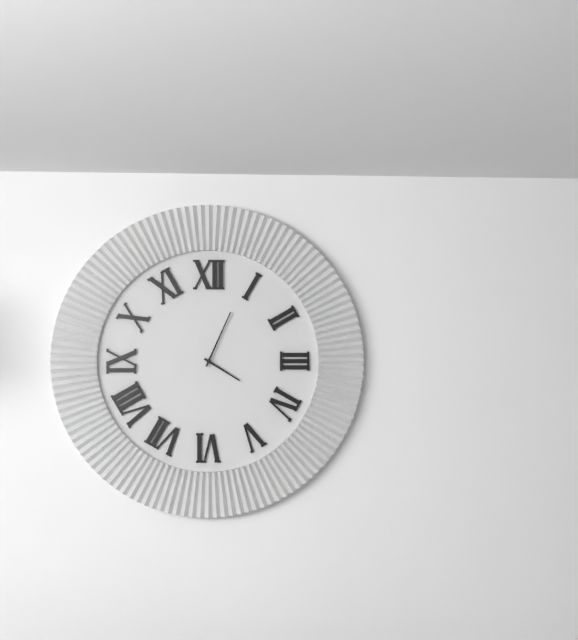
4:04
